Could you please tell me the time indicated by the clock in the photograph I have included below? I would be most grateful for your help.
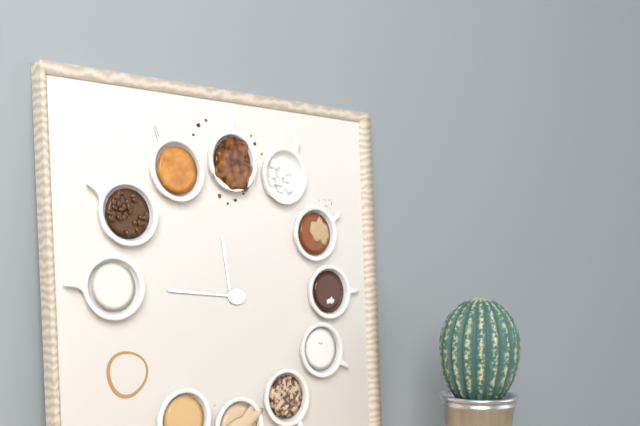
11:46
